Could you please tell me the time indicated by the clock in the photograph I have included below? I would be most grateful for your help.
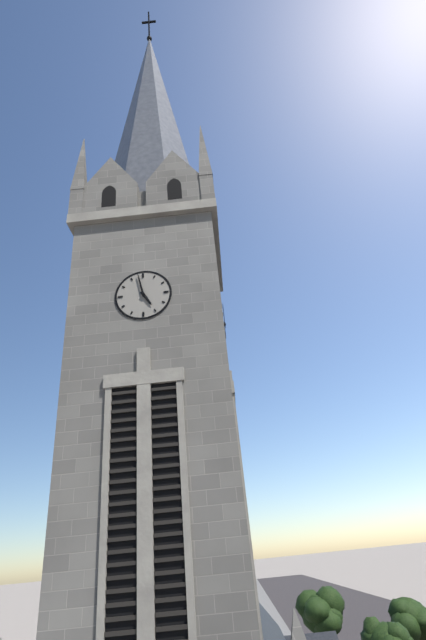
4:58
